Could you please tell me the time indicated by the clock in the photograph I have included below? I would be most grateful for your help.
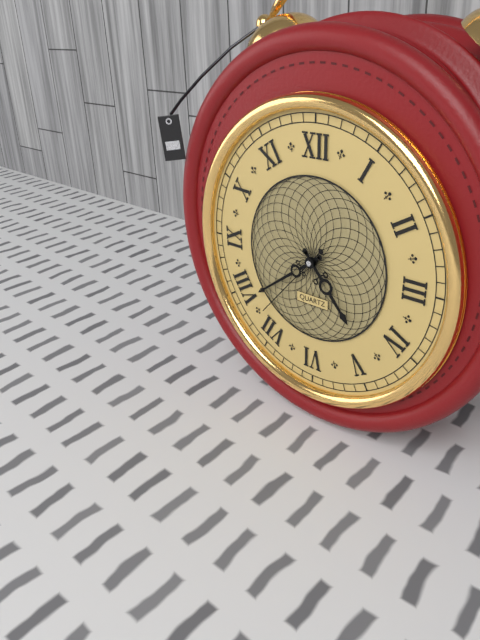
4:39:37
